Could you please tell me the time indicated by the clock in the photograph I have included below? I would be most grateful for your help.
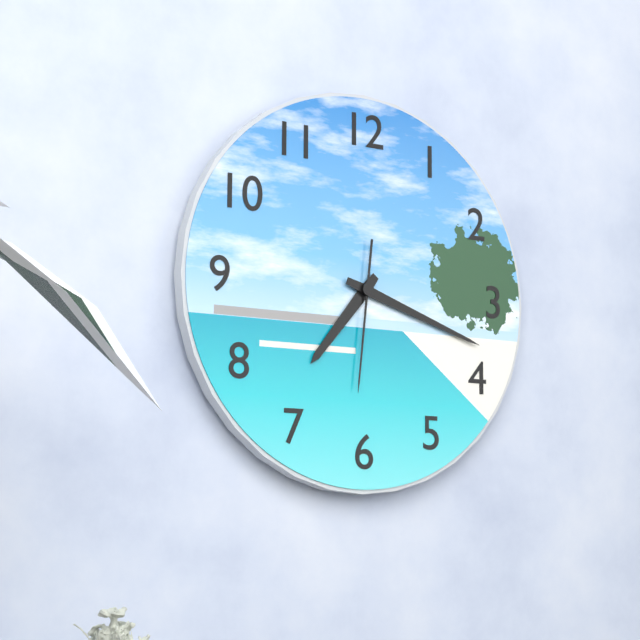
7:18:31
